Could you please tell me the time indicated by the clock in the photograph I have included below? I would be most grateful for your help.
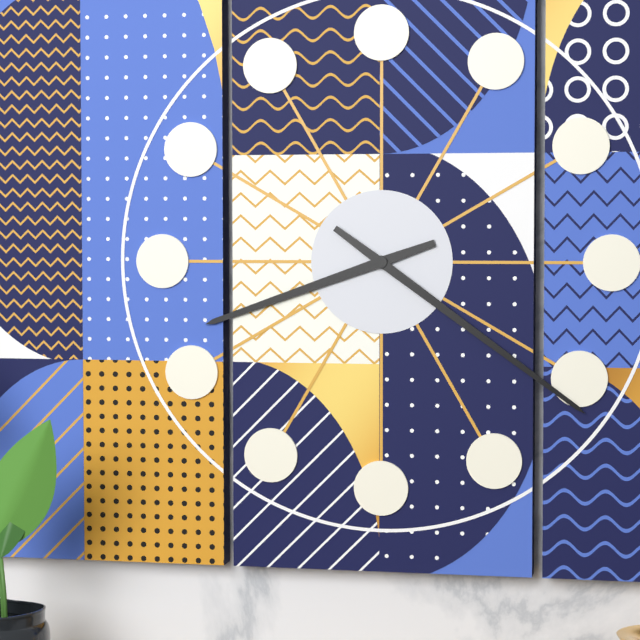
8:21
